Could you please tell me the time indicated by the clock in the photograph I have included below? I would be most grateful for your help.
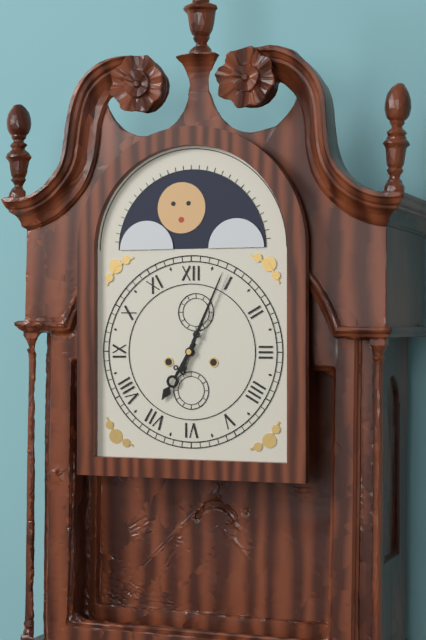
7:04
